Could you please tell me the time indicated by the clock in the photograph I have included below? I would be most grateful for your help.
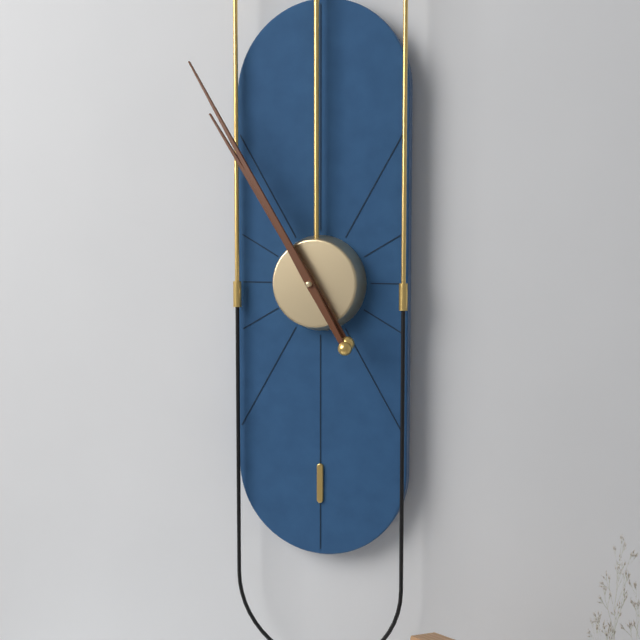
10:55
